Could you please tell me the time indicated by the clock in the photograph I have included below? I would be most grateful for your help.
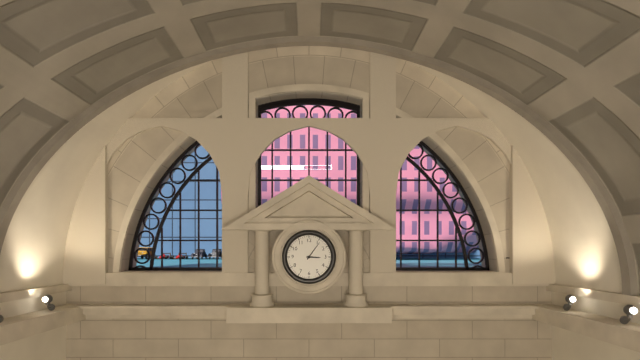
3:06
